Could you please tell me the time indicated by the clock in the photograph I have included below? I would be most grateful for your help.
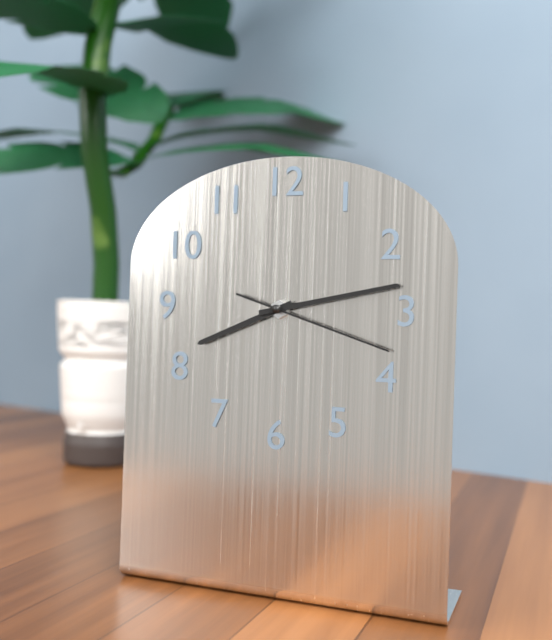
8:13:18
